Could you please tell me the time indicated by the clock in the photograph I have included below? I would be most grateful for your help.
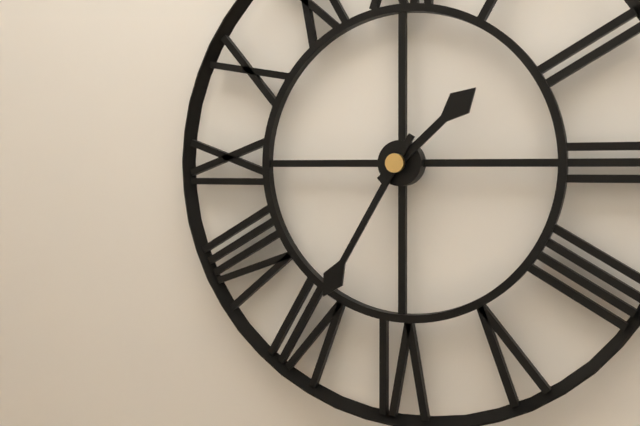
1:35
